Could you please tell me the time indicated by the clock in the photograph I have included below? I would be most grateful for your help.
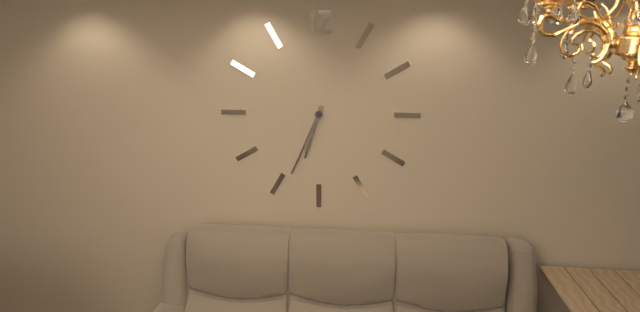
6:34
